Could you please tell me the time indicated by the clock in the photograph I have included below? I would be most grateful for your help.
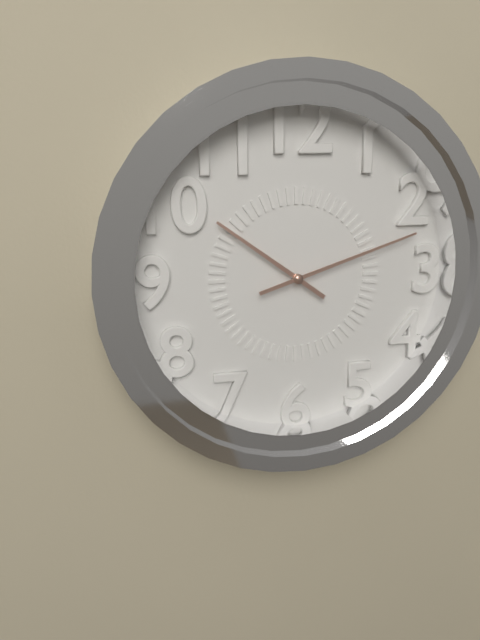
10:12
